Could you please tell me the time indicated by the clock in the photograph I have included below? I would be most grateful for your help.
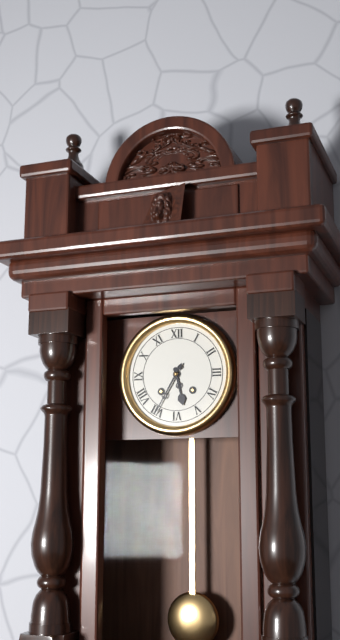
5:35
